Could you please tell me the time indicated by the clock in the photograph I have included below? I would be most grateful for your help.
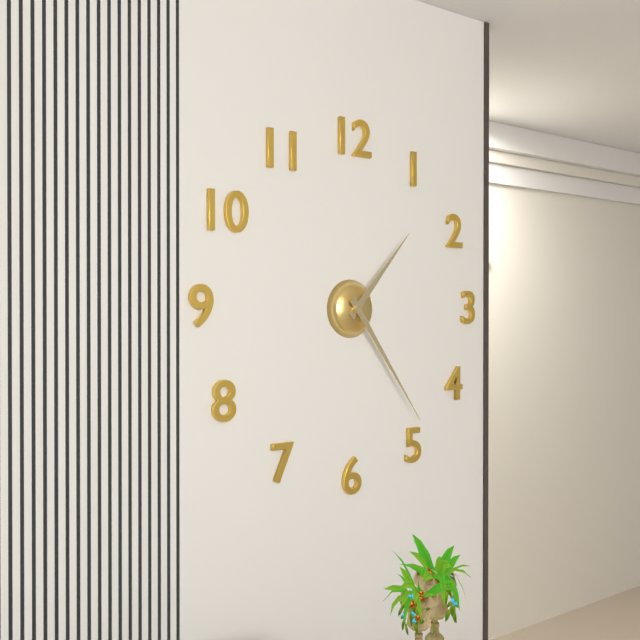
1:24
